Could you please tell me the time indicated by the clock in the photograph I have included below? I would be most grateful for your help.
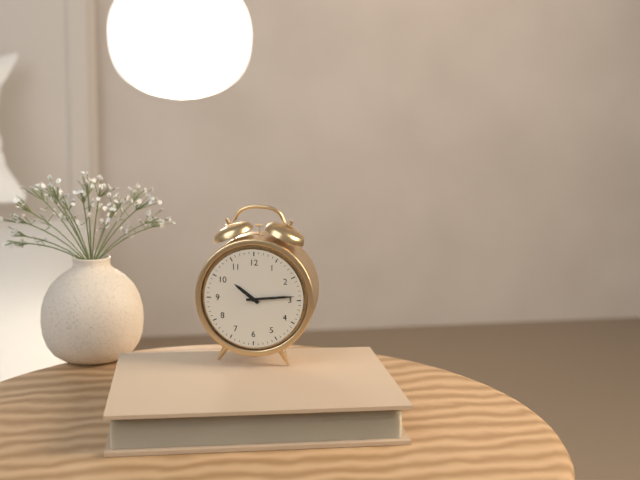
10:14
